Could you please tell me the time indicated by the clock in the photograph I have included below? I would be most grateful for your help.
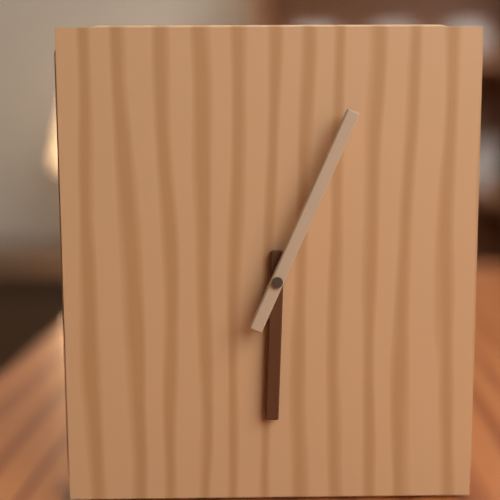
6:04
